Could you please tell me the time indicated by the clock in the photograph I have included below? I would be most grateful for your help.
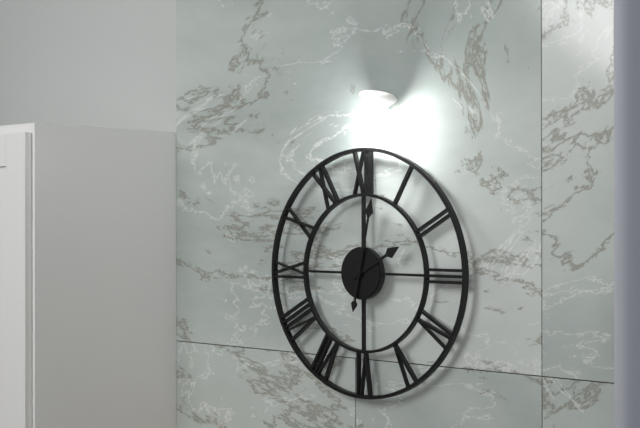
2:02
